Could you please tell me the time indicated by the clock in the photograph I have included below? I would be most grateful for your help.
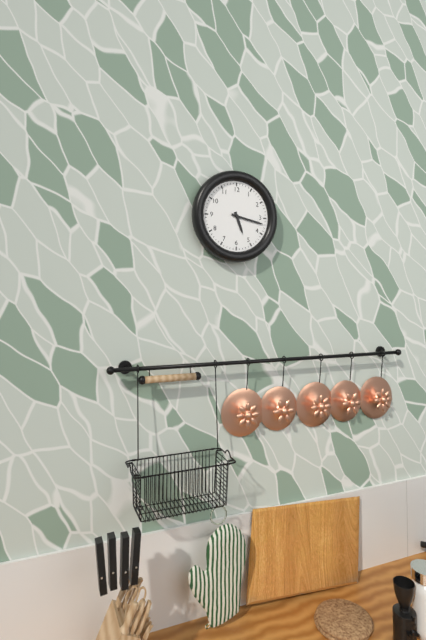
5:17
